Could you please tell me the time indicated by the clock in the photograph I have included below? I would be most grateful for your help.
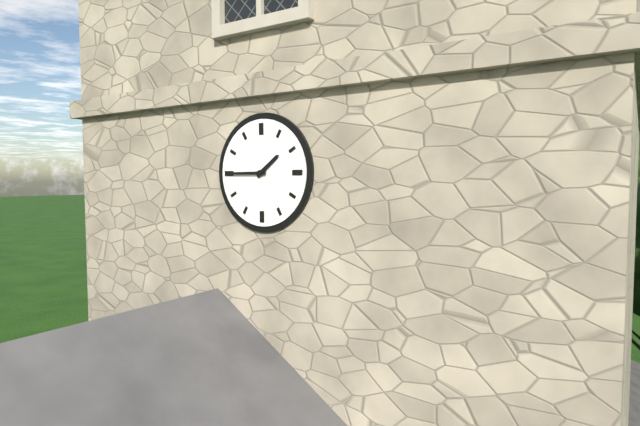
1:45
